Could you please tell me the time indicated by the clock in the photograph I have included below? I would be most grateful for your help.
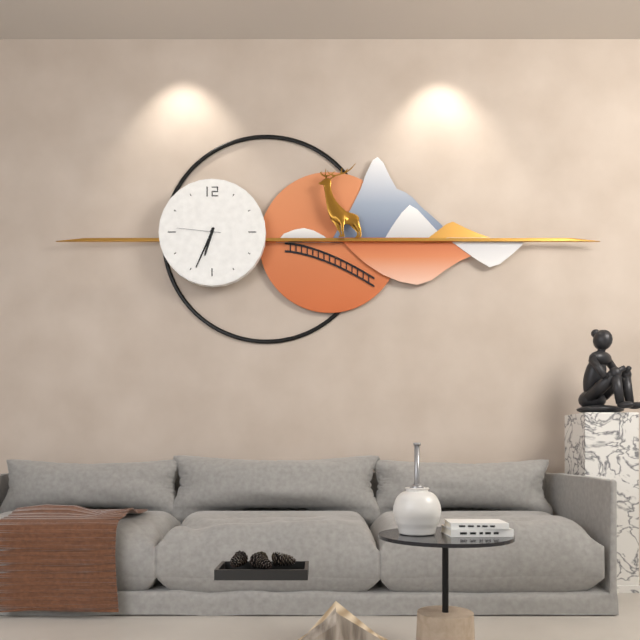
6:34
